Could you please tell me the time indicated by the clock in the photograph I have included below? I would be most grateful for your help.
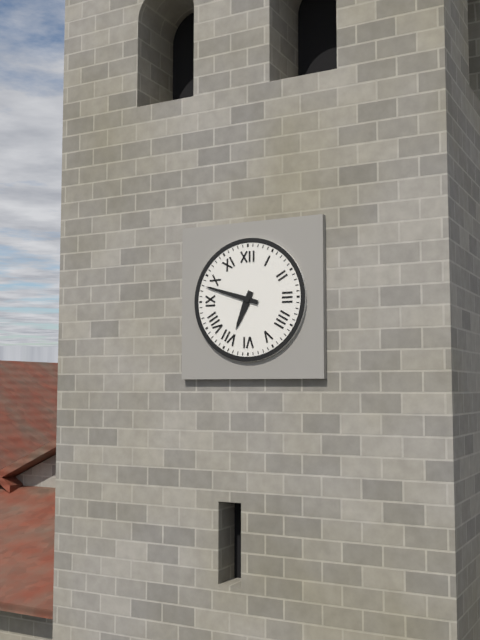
6:48
